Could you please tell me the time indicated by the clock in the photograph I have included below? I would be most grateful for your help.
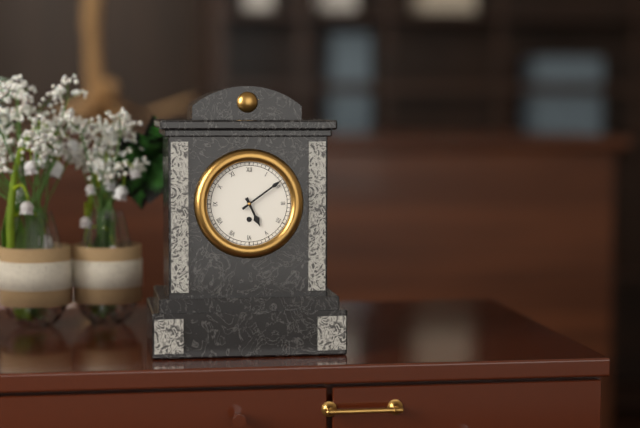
5:09
